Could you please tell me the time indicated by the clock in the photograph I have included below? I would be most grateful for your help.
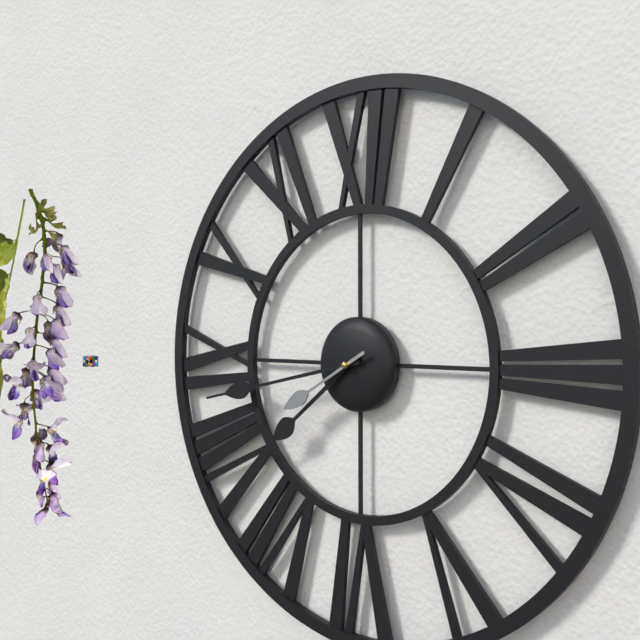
7:43:40
